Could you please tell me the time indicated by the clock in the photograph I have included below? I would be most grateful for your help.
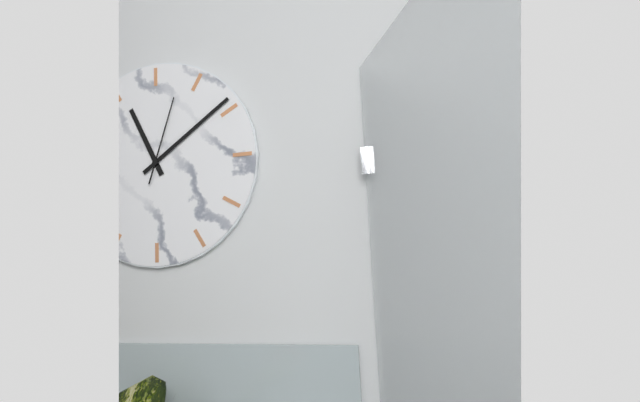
11:09:03
